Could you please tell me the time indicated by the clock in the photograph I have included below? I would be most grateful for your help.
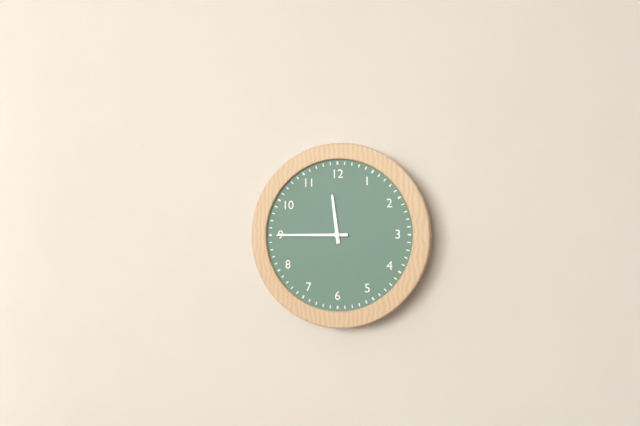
11:45
